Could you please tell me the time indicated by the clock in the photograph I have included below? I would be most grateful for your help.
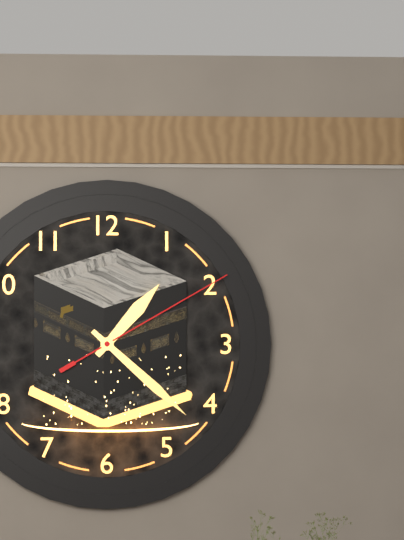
1:22:10
